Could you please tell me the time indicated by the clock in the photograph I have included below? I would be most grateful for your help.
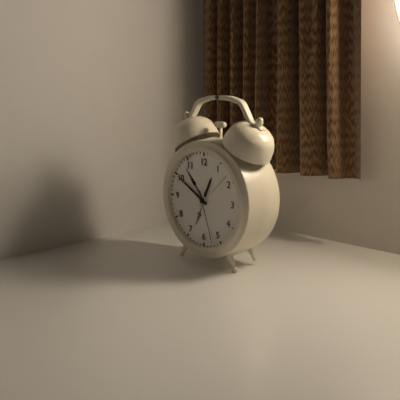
12:50:27
